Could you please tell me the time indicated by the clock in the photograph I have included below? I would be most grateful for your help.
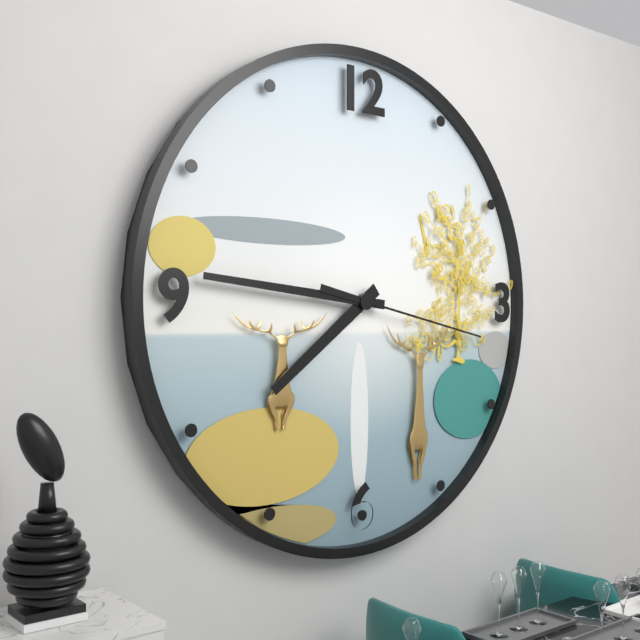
7:46:17
